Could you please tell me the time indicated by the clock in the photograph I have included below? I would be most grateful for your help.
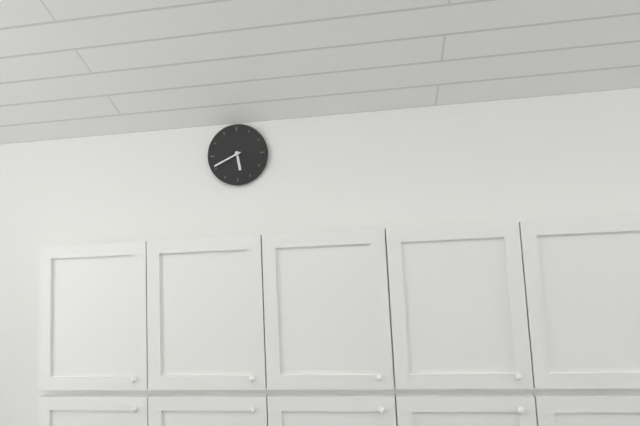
5:41
